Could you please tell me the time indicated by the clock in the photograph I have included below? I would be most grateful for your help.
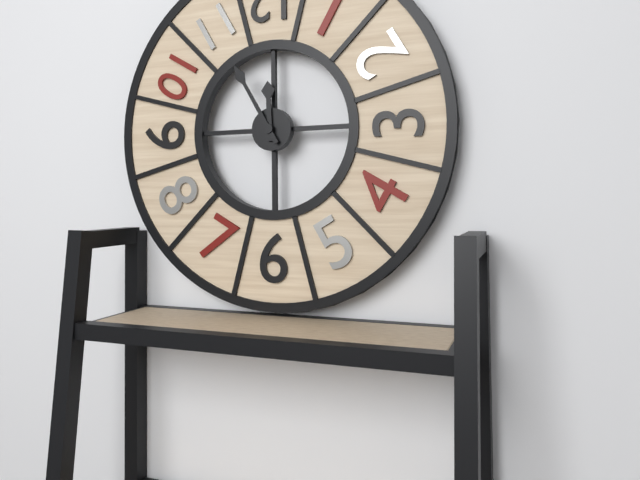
11:55
